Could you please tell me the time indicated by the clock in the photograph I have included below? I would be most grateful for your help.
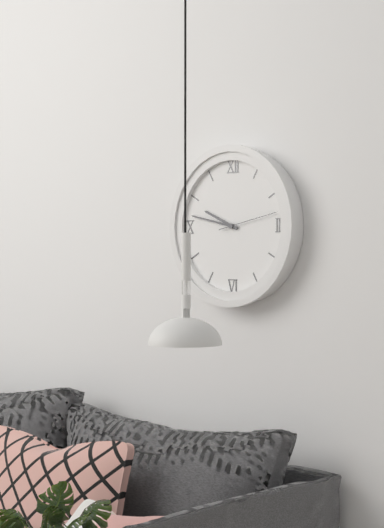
9:47:13
